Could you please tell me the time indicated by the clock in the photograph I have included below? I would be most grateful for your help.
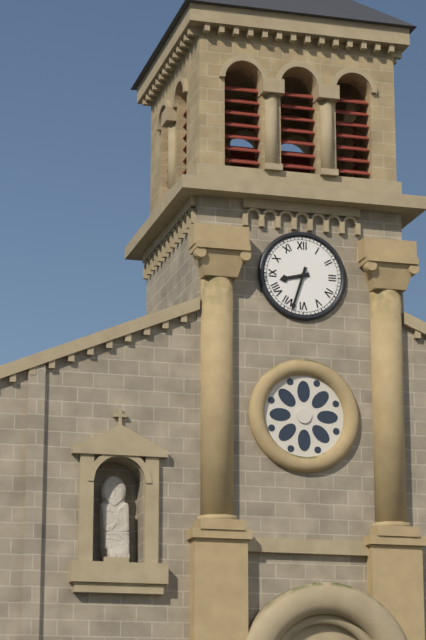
8:33
